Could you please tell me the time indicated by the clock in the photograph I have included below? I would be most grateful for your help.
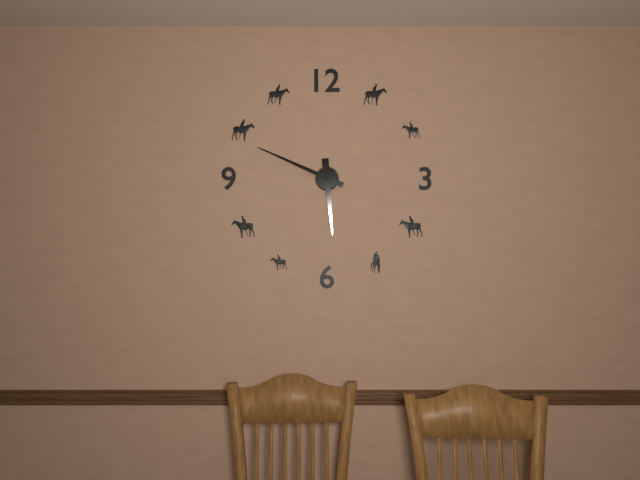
5:49
